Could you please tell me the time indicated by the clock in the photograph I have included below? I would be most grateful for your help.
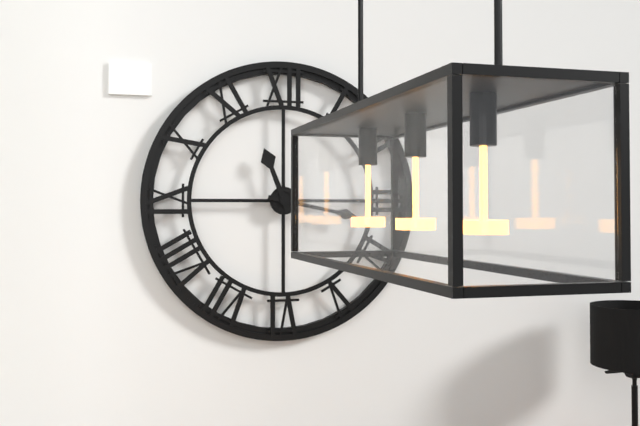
11:17
